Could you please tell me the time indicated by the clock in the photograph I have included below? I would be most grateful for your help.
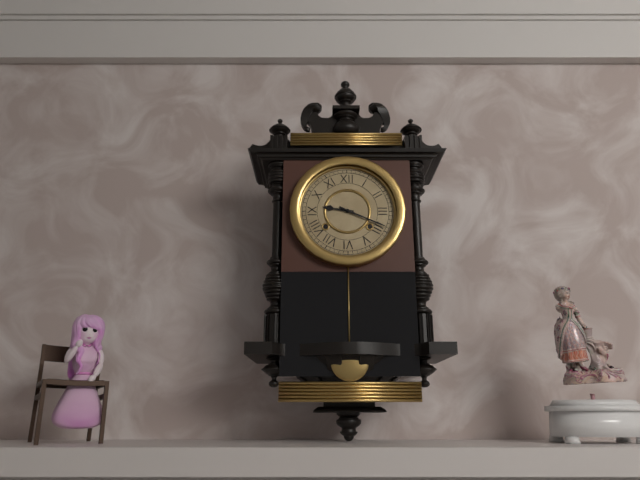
9:19
